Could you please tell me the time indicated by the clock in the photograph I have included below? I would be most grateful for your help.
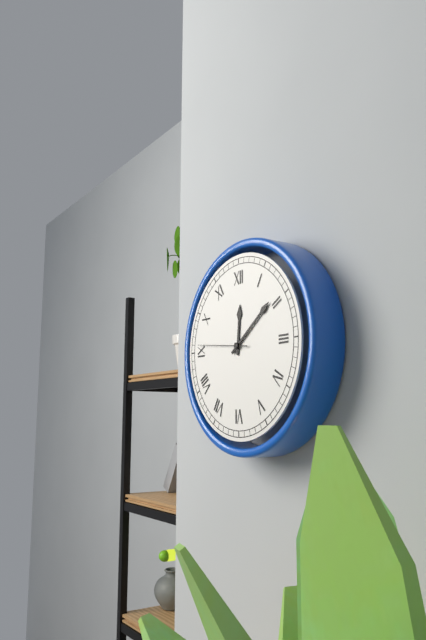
12:09:46
